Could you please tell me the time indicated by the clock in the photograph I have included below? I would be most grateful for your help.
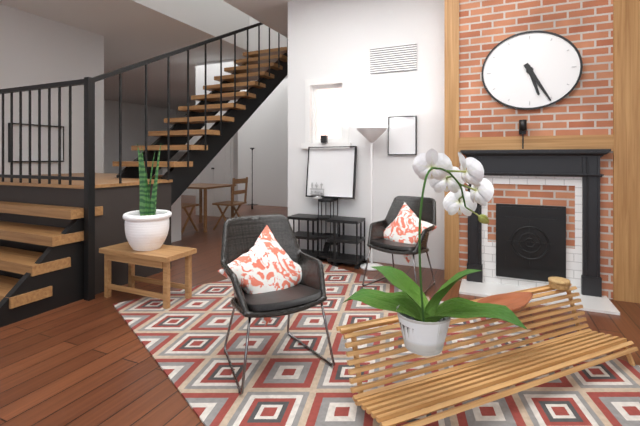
5:25
